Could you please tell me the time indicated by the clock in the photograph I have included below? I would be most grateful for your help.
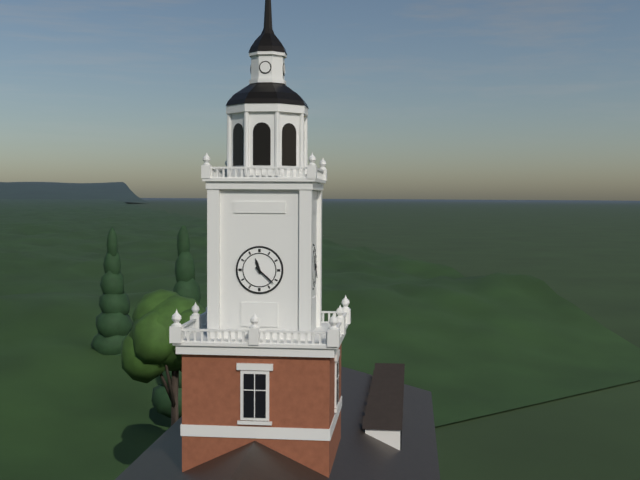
11:22
